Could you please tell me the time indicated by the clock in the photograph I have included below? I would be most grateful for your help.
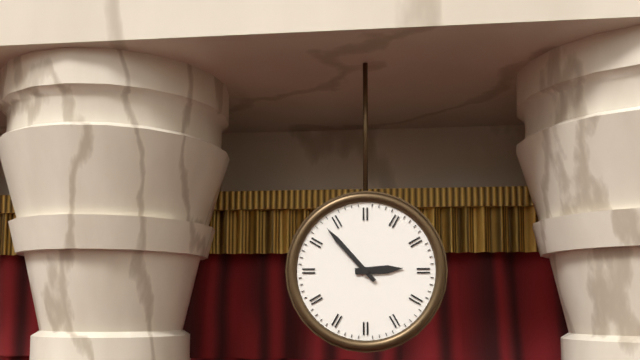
2:53
